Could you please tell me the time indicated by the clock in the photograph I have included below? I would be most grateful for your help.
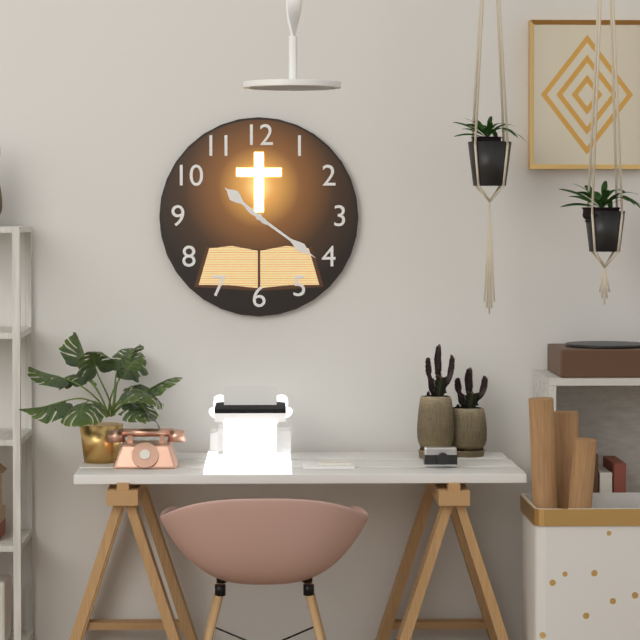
10:21
